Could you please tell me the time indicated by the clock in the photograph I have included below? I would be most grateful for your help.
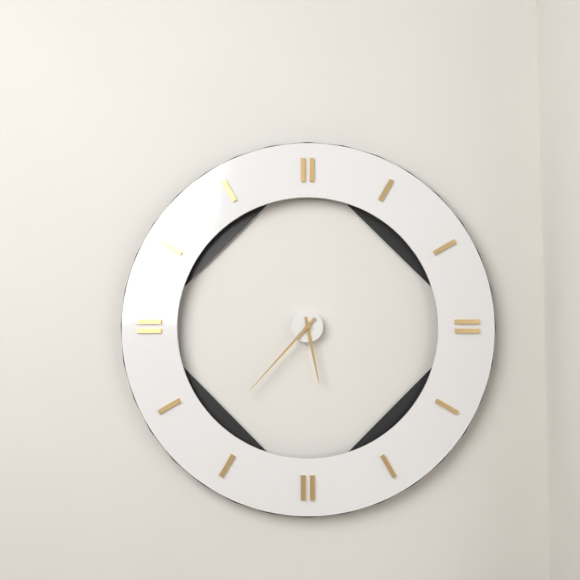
5:37
